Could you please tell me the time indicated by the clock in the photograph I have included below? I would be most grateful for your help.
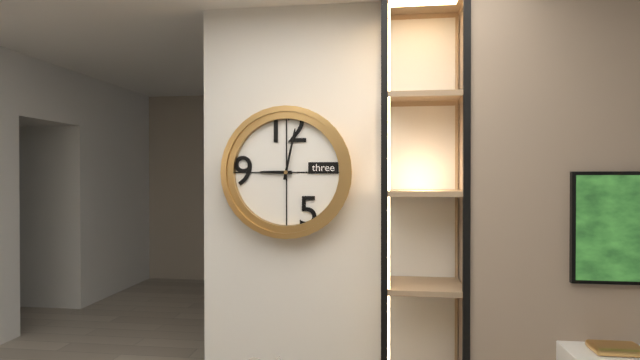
9:02
